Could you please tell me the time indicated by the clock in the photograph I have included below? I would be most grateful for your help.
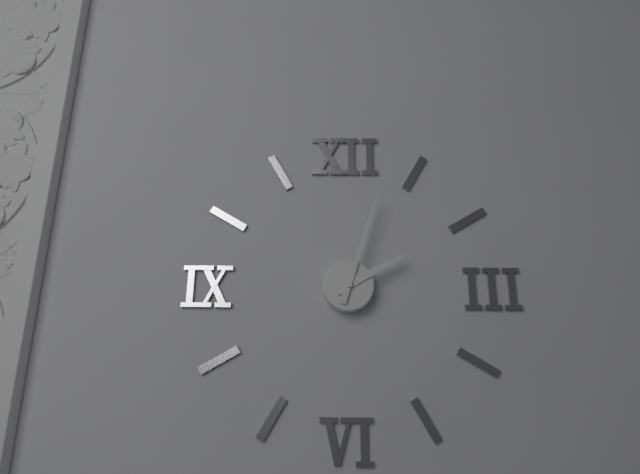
2:03
